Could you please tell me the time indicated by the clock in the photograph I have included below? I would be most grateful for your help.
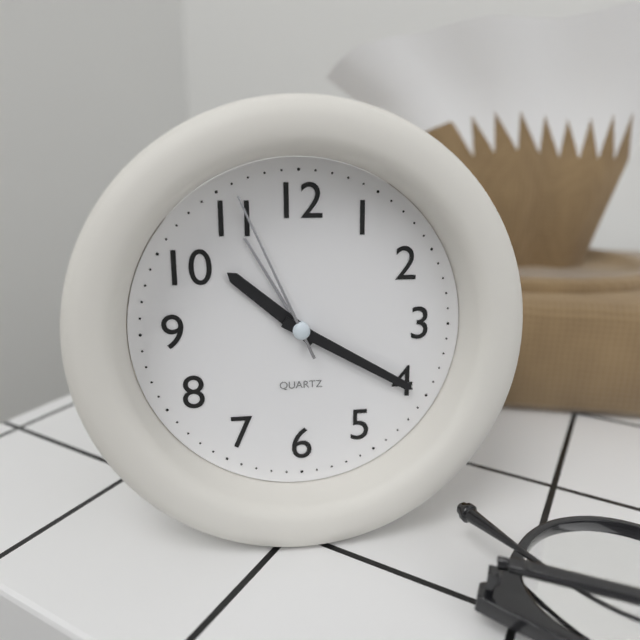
10:20:56
